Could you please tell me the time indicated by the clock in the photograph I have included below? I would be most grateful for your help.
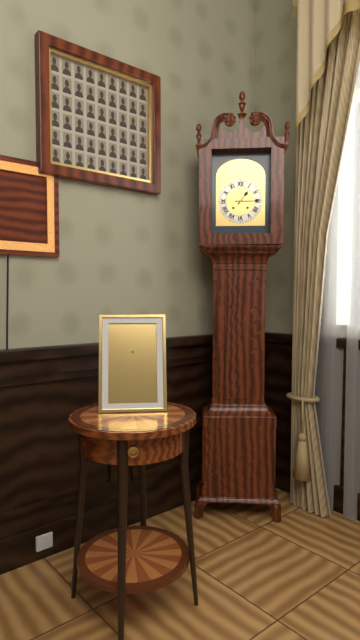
1:15
